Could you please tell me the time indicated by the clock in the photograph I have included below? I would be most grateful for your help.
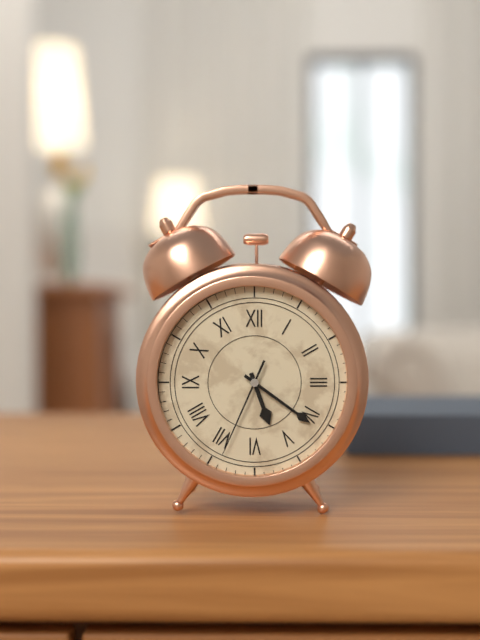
5:21:34
